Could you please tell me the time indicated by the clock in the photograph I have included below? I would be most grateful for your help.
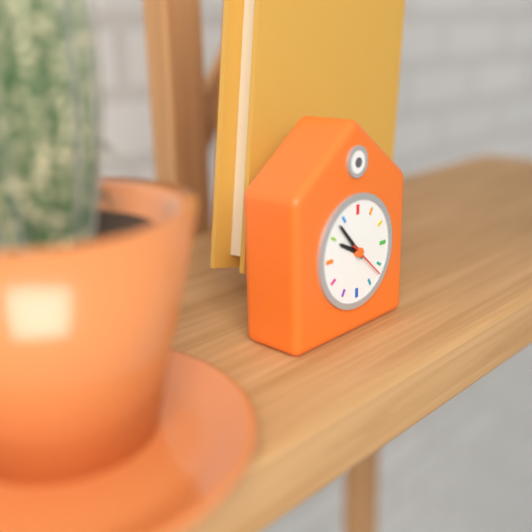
9:53:22
